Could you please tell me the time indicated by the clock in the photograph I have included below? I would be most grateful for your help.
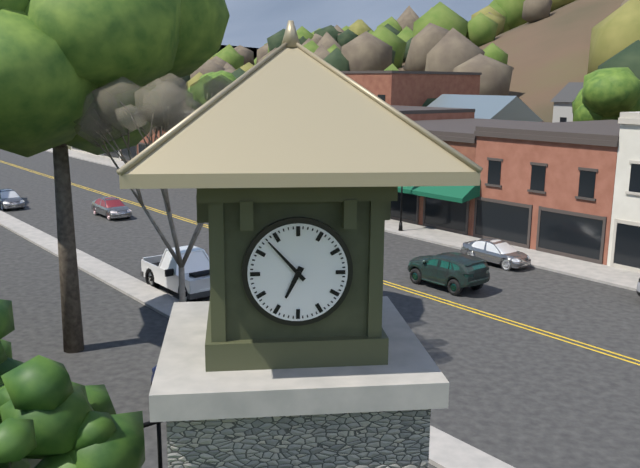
6:53
